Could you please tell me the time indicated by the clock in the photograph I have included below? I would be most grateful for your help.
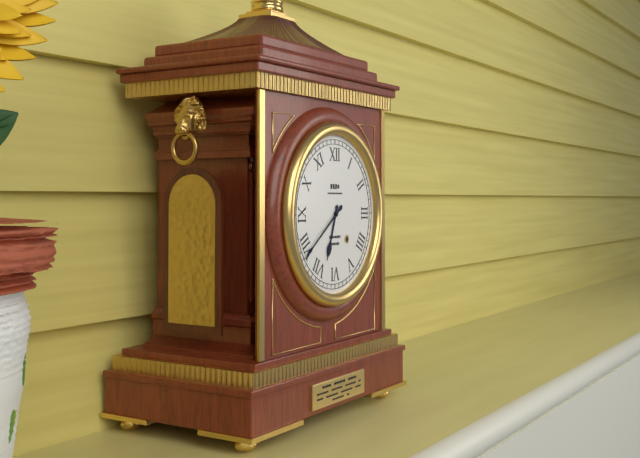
6:39
